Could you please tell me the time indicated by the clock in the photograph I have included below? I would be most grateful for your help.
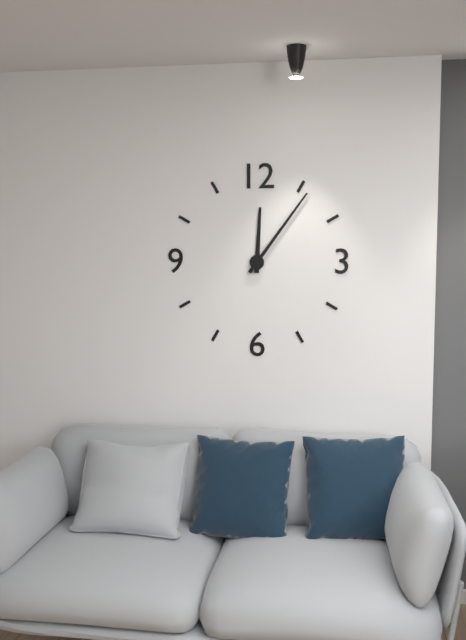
12:06
